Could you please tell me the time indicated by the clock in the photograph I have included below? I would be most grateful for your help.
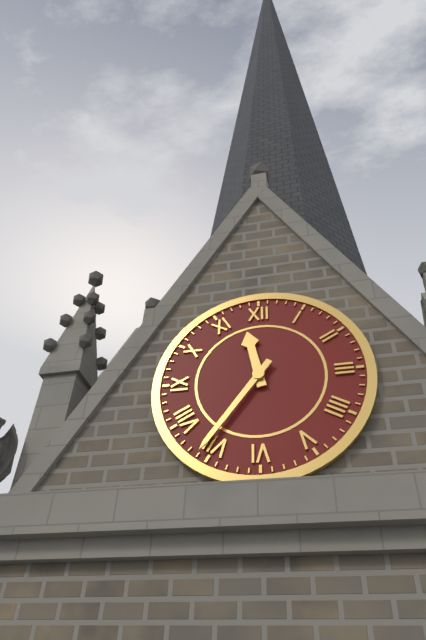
11:36
